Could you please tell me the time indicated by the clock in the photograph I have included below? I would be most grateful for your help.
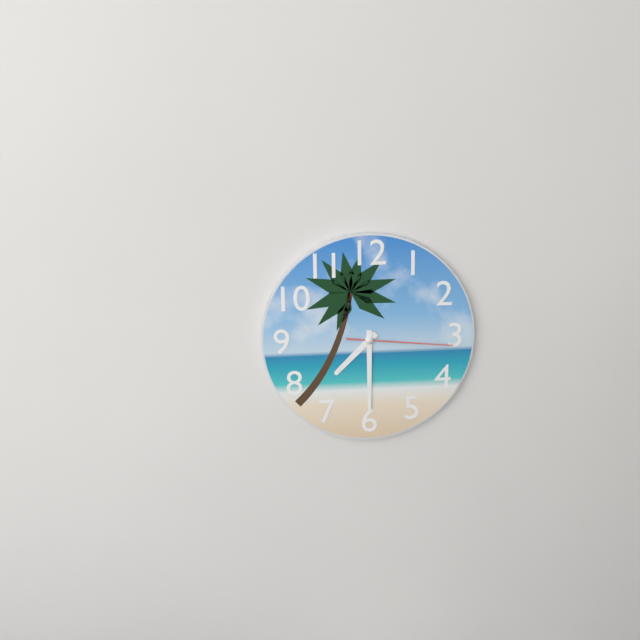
7:30:16
